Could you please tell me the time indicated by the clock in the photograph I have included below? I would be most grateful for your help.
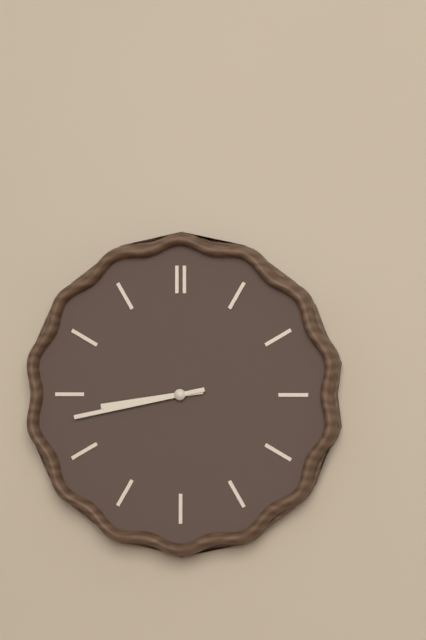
8:43
